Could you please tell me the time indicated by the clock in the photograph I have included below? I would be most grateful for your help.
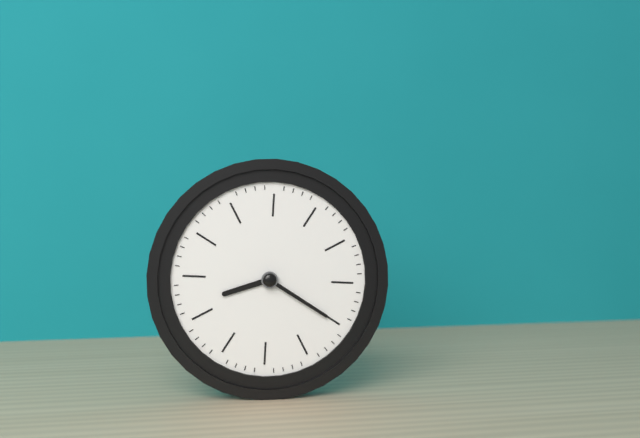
8:20
